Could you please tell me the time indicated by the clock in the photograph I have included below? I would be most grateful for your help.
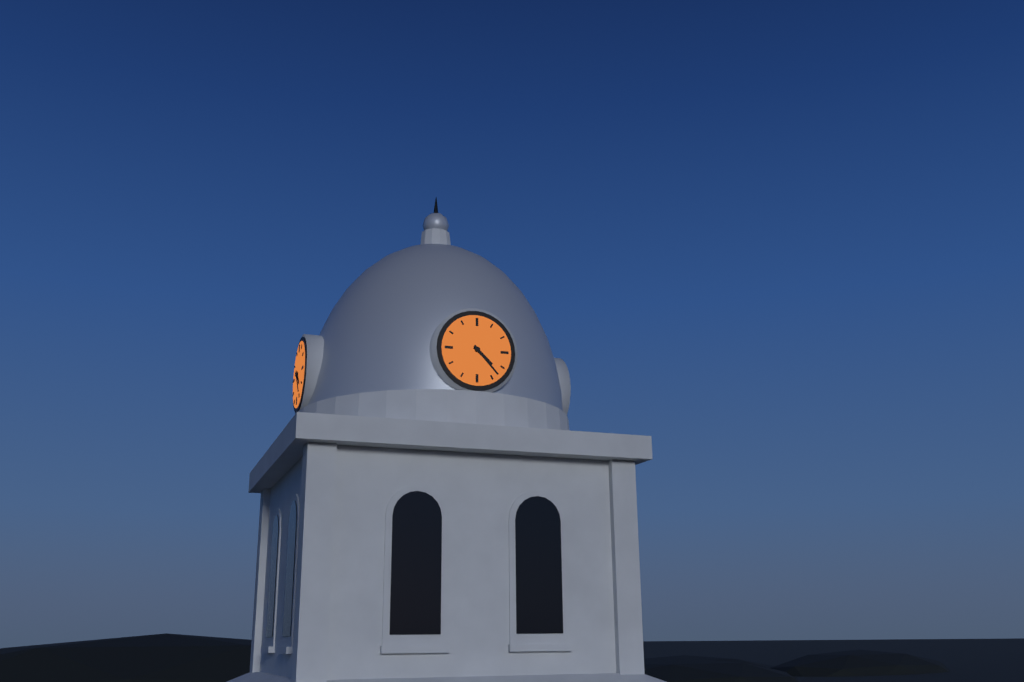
4:23
